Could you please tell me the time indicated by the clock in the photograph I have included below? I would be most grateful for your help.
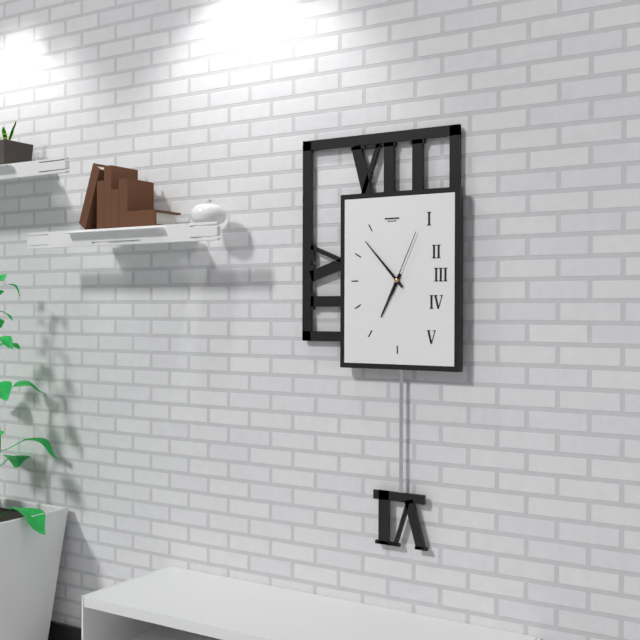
6:53:04
